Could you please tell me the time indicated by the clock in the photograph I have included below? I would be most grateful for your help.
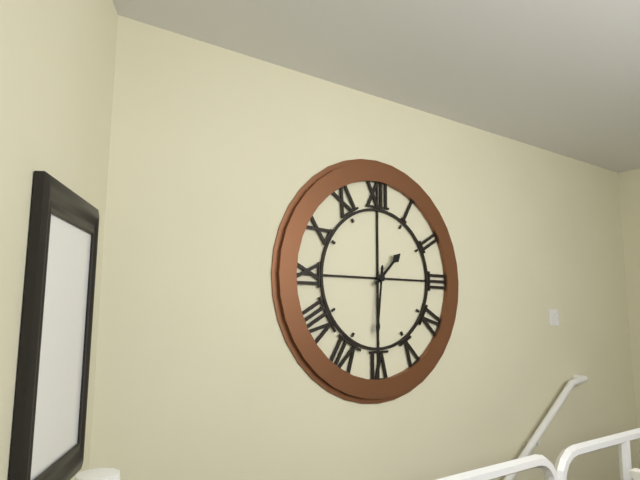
1:31
